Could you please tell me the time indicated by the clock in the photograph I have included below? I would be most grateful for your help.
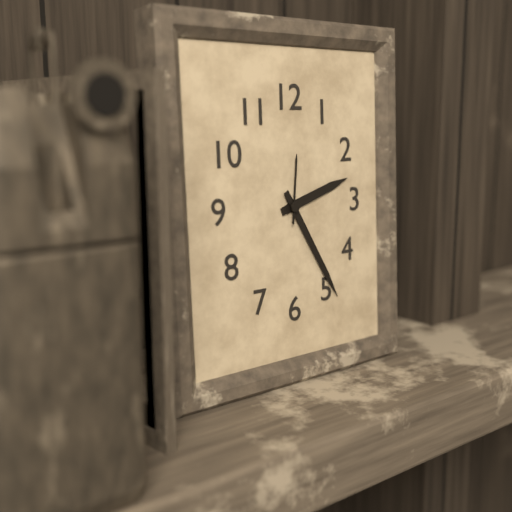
2:25:01
